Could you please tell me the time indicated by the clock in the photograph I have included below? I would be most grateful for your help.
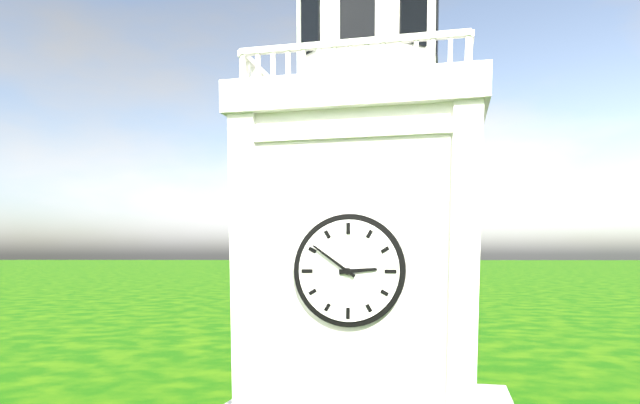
2:51
